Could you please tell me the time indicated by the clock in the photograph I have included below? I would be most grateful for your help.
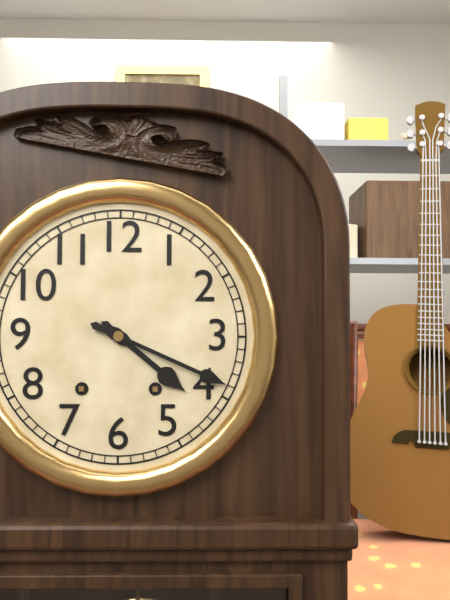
4:19
